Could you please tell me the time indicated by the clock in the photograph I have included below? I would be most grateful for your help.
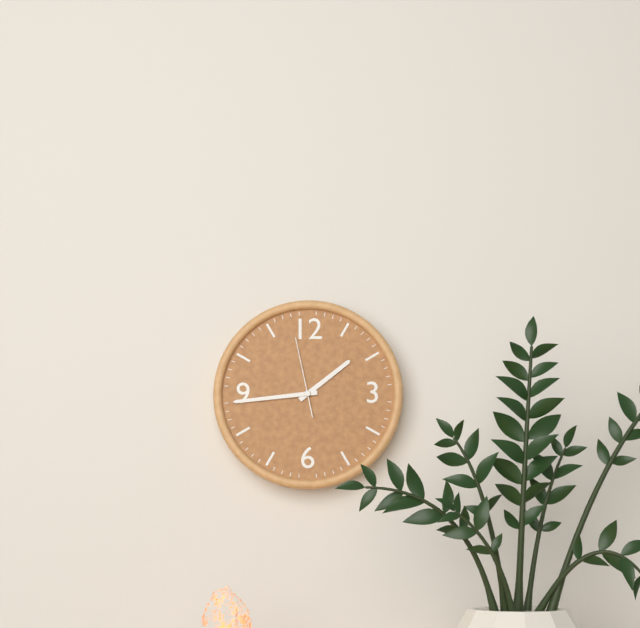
1:44:58
